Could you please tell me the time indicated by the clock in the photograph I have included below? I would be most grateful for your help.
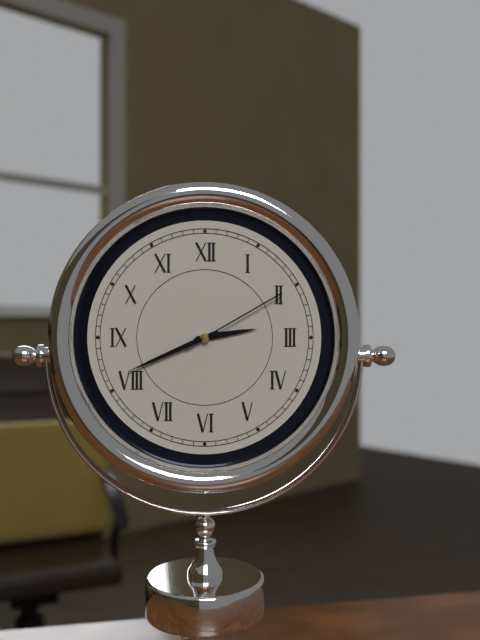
2:41:10
